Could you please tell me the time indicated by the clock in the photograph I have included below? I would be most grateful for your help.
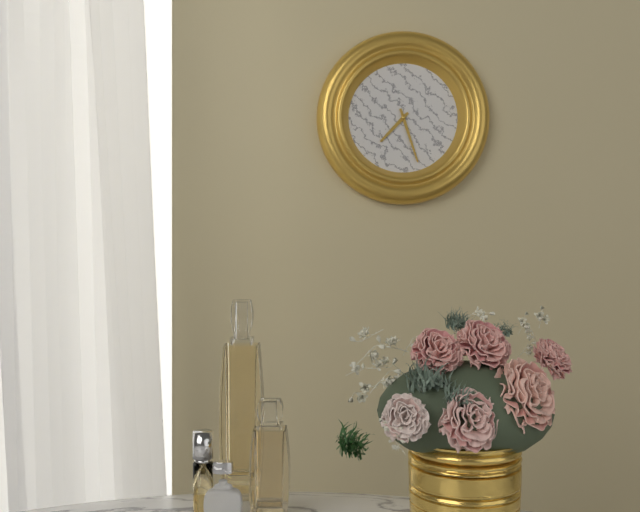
7:27
